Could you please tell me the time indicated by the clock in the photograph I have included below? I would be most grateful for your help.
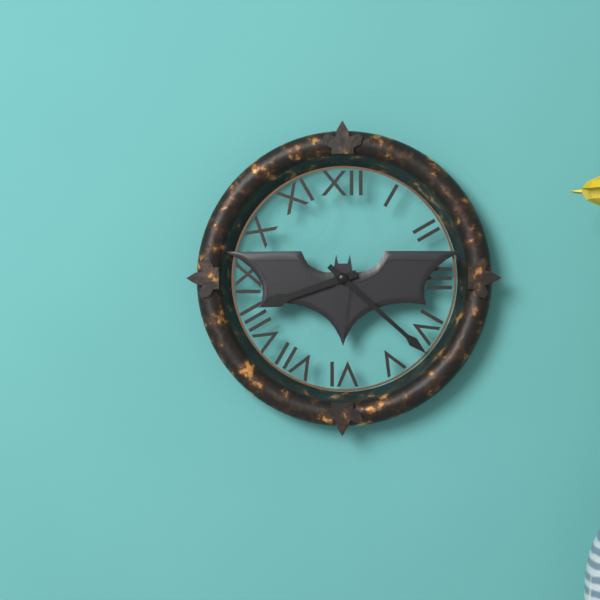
8:22
